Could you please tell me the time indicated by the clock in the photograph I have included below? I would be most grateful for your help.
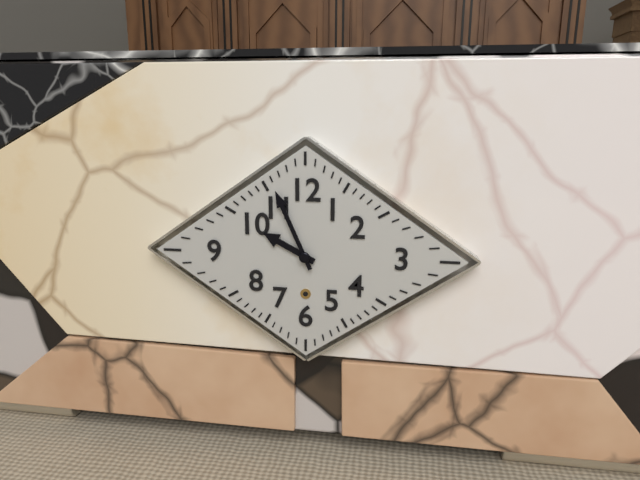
9:56
